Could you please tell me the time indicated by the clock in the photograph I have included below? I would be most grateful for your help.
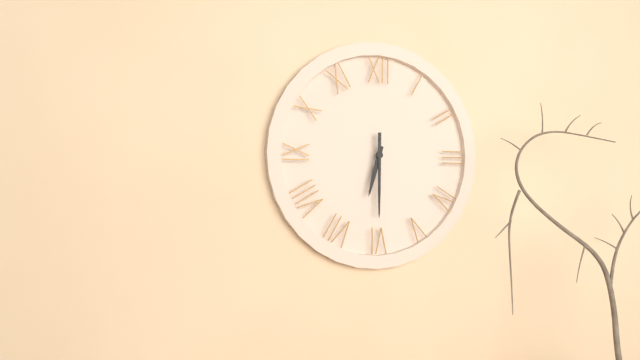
6:30
